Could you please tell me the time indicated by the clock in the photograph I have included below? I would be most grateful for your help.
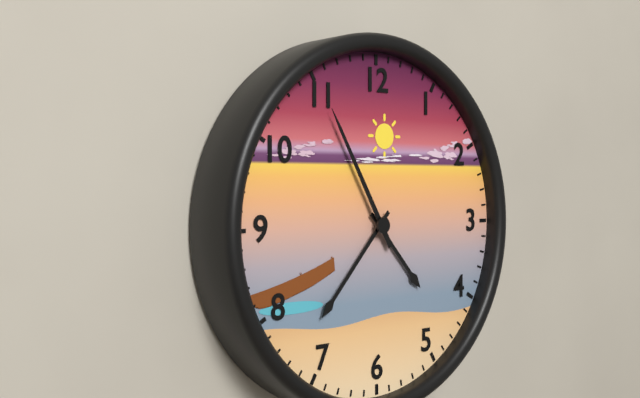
4:37:55
